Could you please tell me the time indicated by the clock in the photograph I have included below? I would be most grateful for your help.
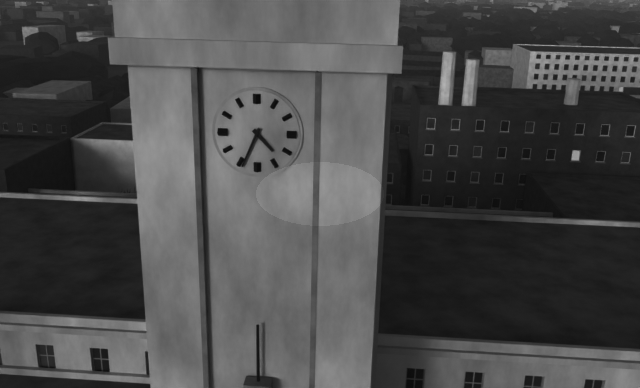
4:34
